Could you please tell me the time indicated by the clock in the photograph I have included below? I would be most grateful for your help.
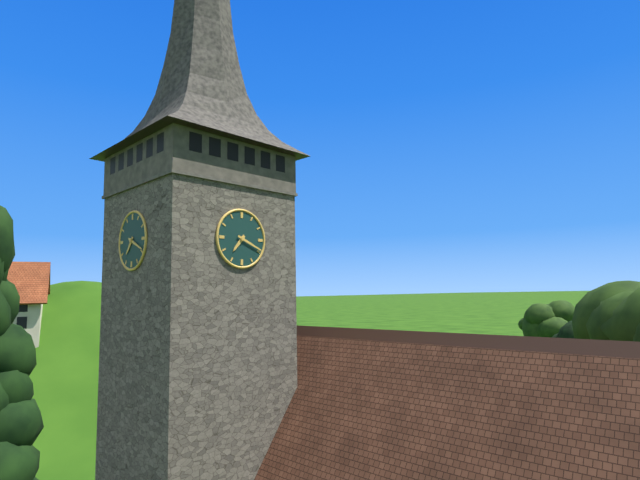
7:19
